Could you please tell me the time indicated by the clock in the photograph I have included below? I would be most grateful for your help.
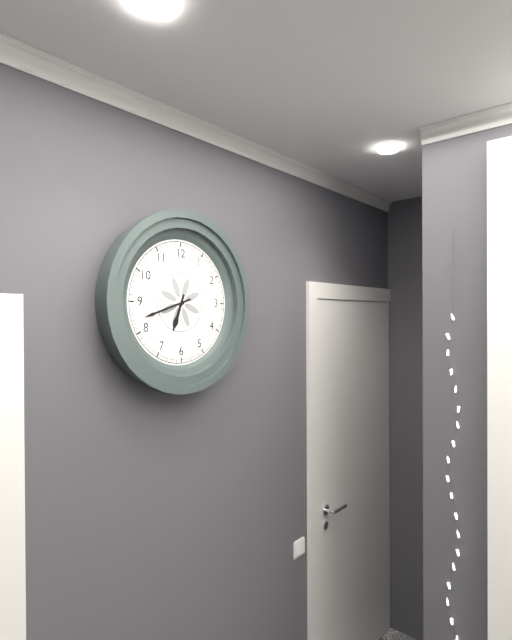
6:42
